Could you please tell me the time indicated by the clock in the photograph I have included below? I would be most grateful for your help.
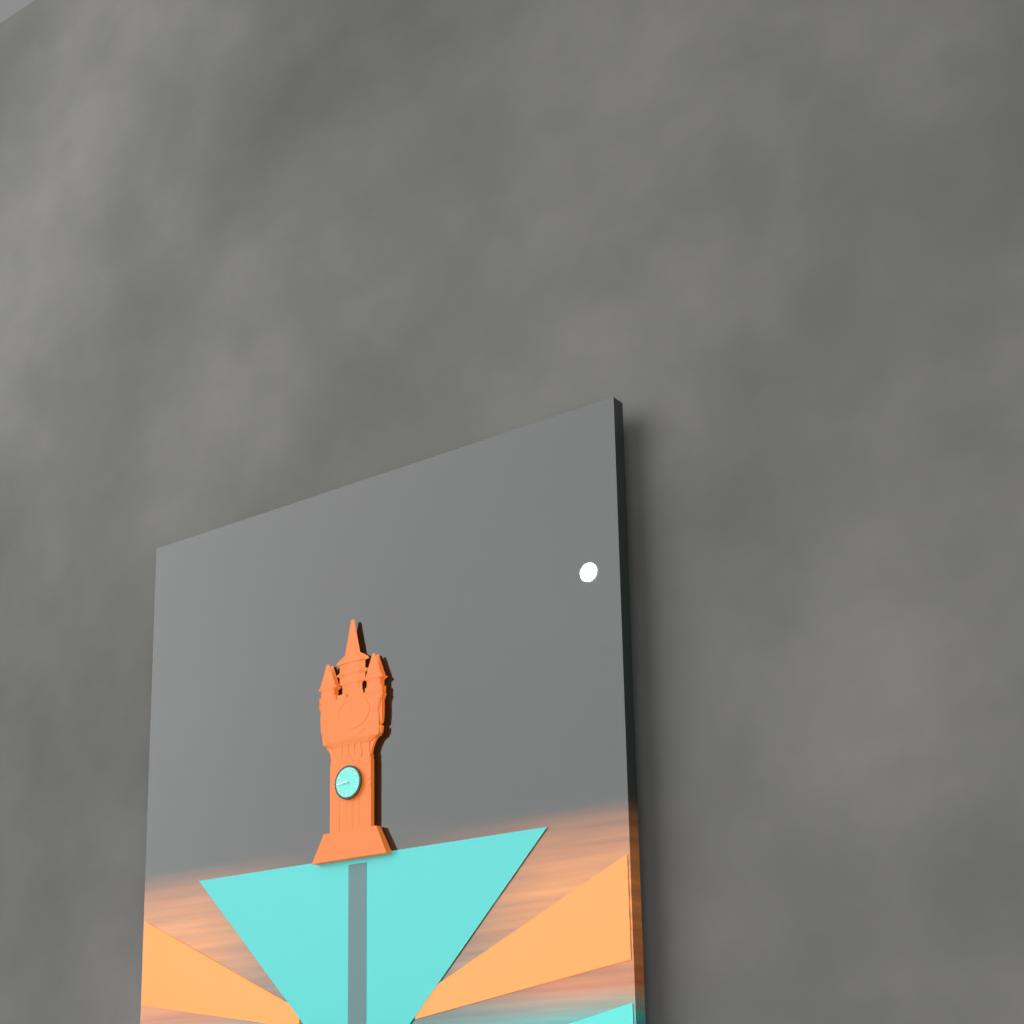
8:44
